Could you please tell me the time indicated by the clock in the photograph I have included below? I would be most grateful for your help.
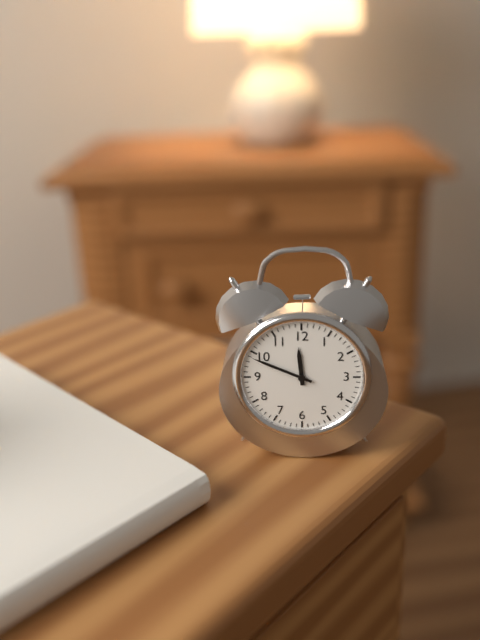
11:49
